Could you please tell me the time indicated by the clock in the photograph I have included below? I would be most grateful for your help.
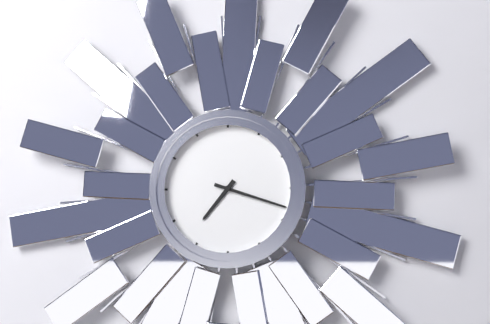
7:18
